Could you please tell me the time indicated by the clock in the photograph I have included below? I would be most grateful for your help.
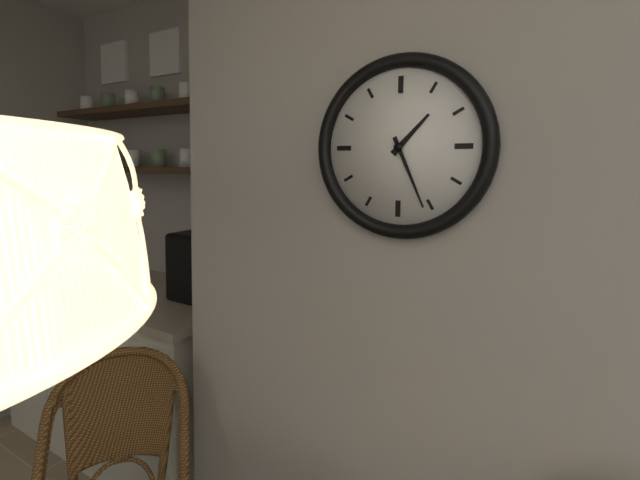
1:26
